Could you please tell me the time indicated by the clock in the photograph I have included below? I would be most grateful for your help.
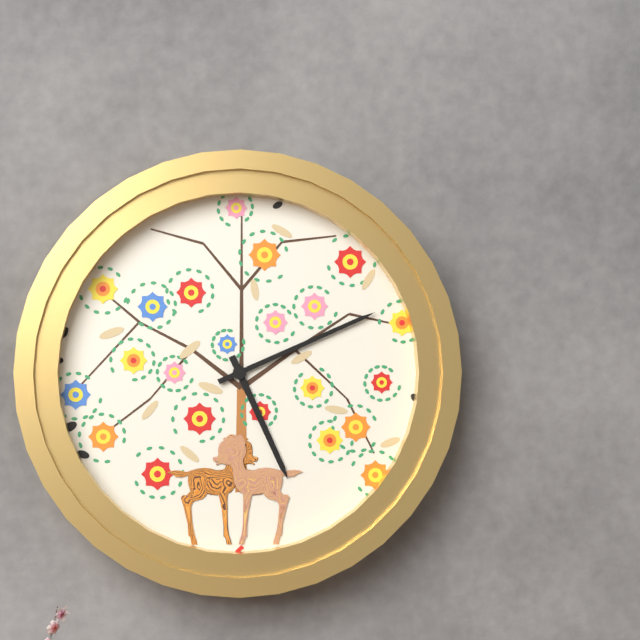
5:11
